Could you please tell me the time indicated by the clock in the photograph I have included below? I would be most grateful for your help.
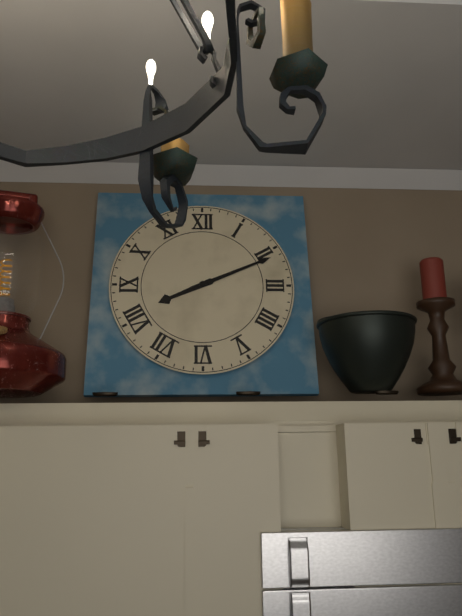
8:11
